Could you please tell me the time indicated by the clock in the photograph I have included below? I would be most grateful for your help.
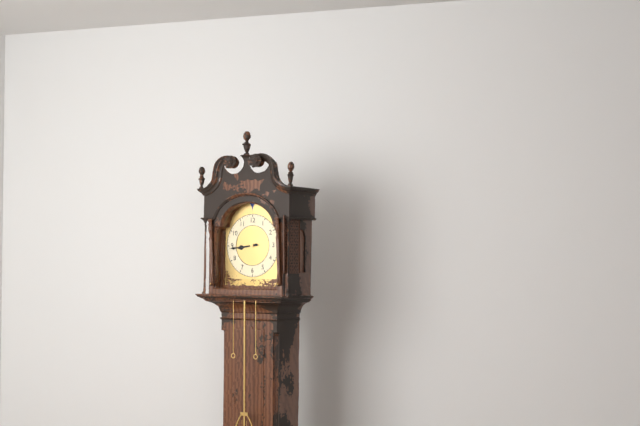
8:44
